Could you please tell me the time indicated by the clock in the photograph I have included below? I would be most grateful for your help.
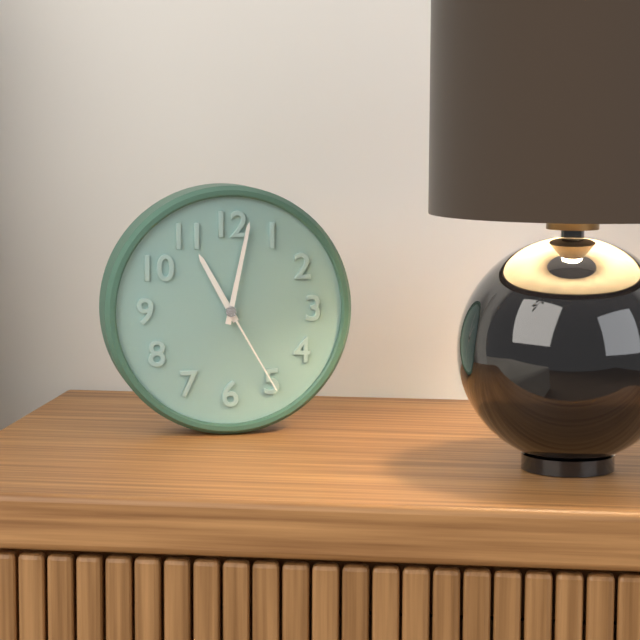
11:02:25
